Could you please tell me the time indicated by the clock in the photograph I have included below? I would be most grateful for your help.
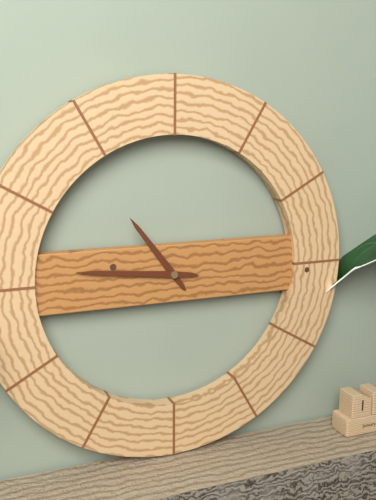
10:46
